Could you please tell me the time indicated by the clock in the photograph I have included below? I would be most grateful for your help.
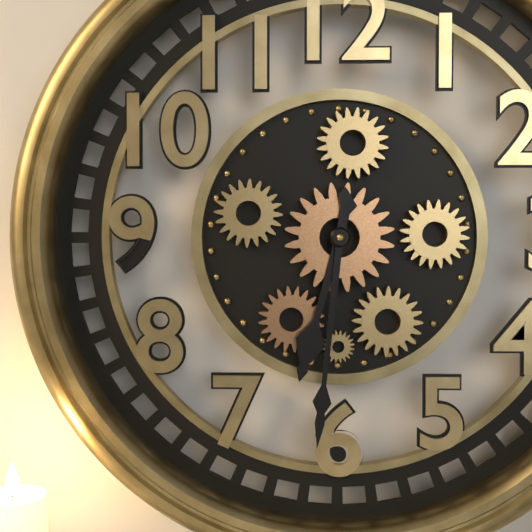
6:31
